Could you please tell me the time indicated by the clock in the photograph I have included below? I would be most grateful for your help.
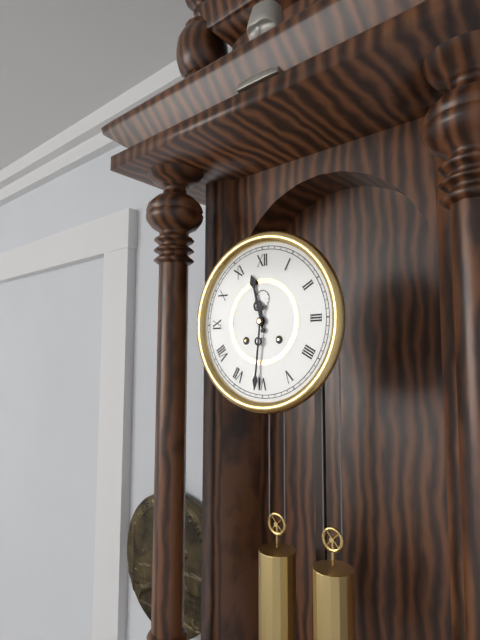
11:31
